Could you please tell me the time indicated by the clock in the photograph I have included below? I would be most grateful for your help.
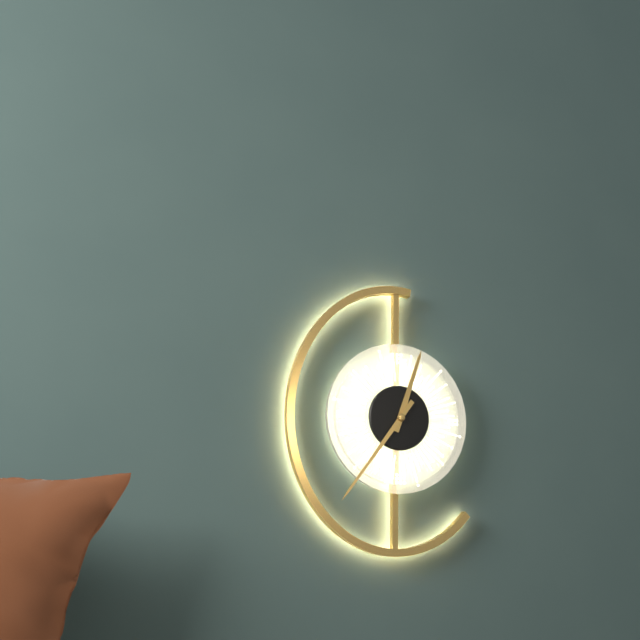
12:36
